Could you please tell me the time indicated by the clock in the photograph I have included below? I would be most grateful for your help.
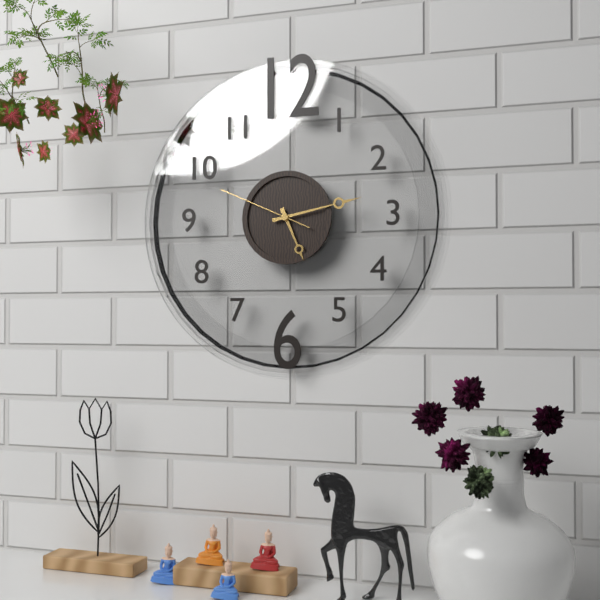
5:13:49
